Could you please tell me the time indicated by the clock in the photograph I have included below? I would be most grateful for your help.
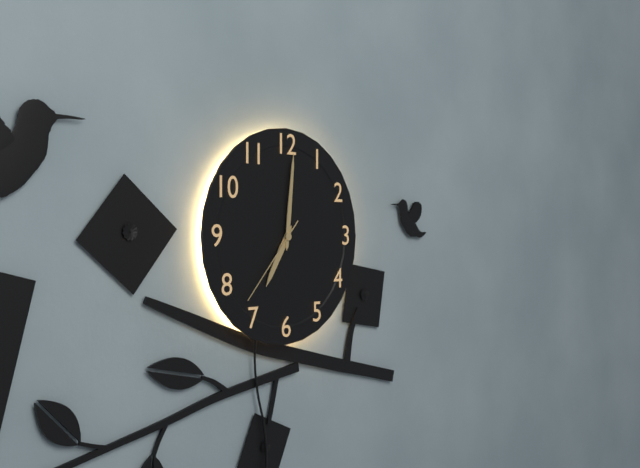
7:01:37
